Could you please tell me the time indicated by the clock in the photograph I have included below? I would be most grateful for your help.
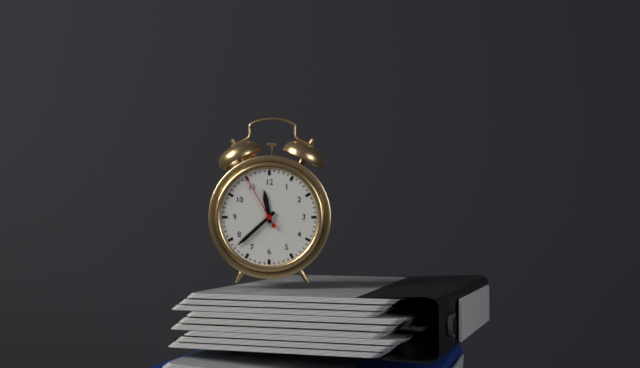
11:38:55
